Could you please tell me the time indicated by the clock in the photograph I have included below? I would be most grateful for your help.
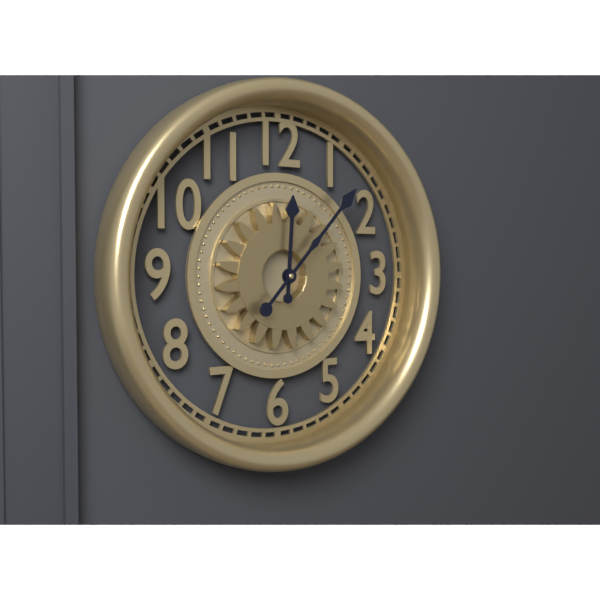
12:07
